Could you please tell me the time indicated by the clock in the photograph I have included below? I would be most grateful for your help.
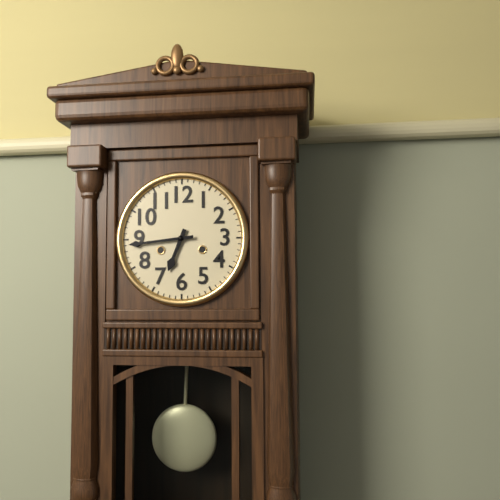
6:44
